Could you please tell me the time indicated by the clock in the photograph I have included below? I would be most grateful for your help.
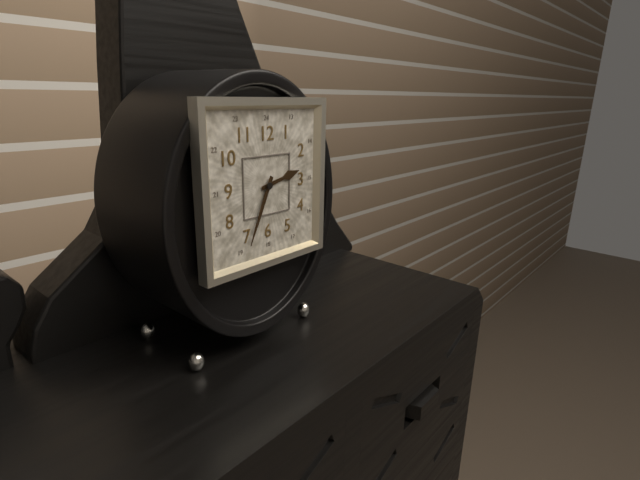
2:34
